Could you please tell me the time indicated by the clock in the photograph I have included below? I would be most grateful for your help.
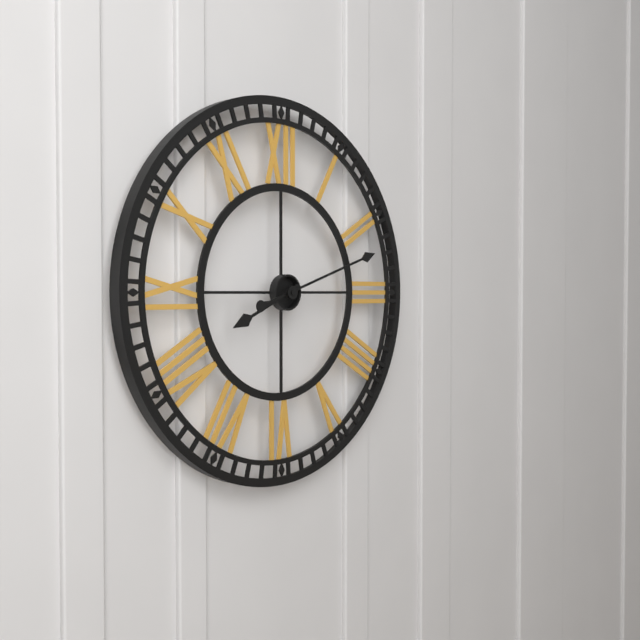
8:12
